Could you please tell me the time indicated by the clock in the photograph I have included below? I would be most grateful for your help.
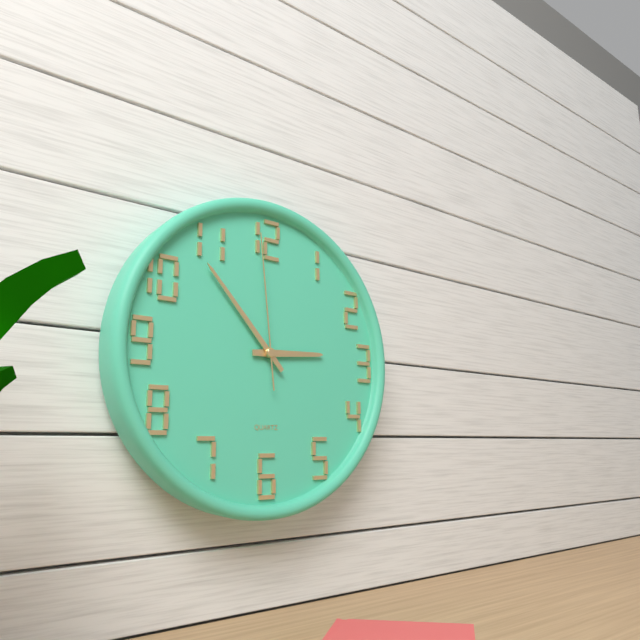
2:53:59
